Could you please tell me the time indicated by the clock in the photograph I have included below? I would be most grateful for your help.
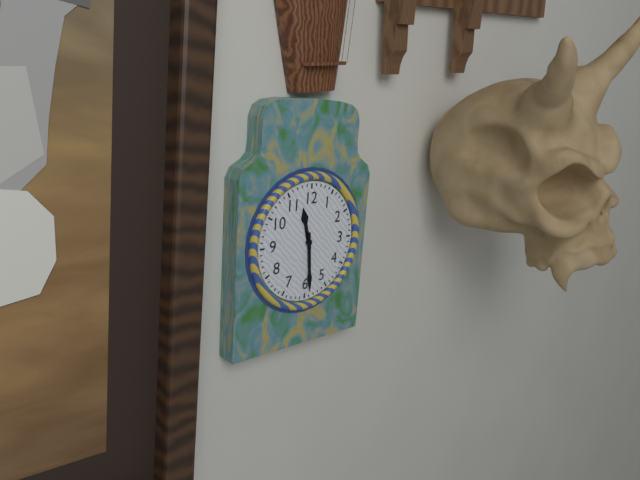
11:29
